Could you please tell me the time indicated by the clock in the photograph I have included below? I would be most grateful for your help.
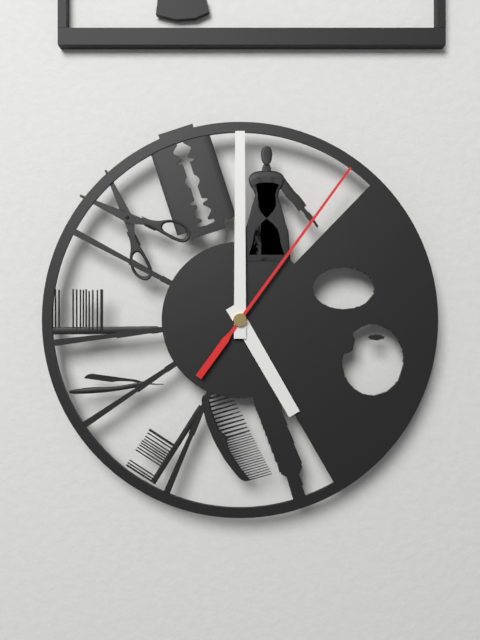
5:00:06
